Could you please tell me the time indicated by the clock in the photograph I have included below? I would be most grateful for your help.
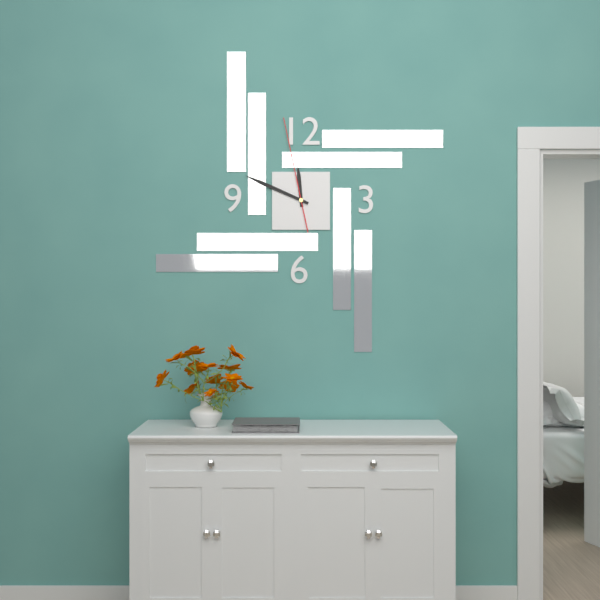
11:49:58
